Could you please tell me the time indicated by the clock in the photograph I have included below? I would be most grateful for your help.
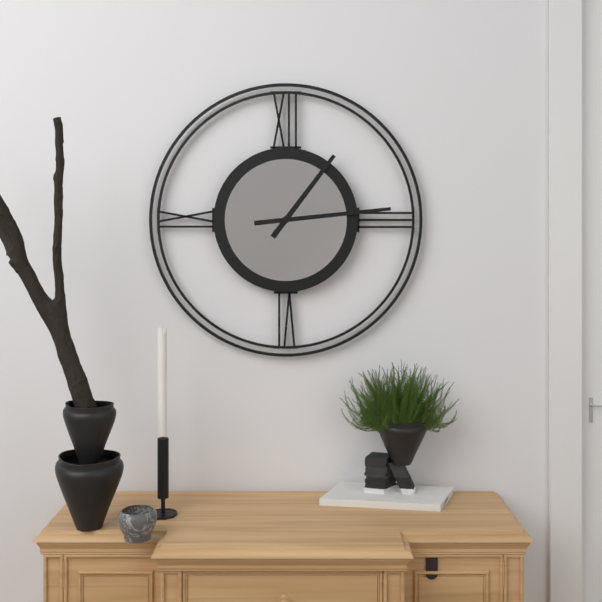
1:14
